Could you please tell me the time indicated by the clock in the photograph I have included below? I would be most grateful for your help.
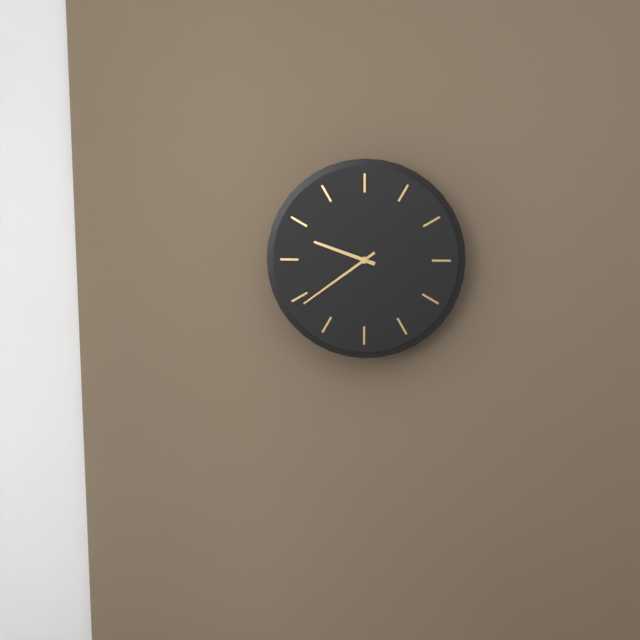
9:39
